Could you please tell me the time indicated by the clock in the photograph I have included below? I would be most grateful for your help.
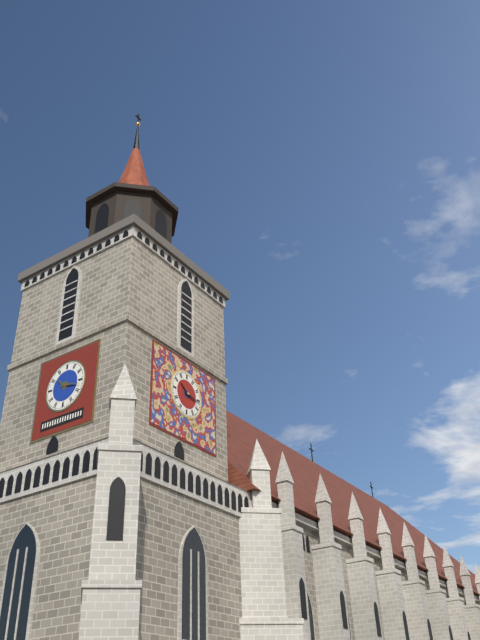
10:17
